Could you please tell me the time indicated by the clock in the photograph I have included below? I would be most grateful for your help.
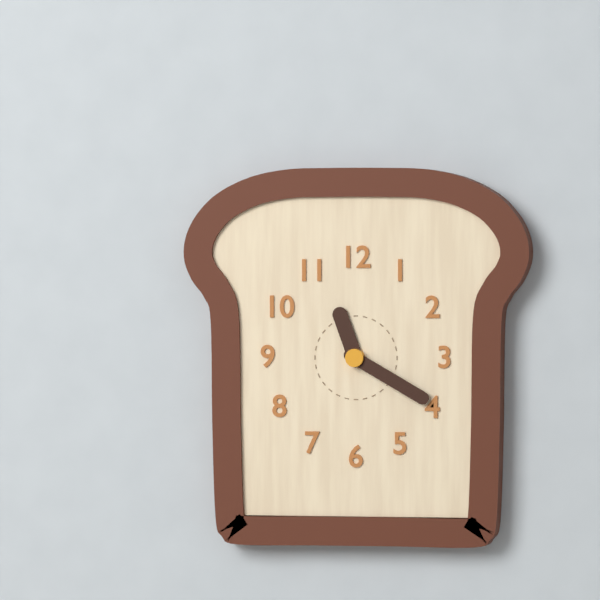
11:20
